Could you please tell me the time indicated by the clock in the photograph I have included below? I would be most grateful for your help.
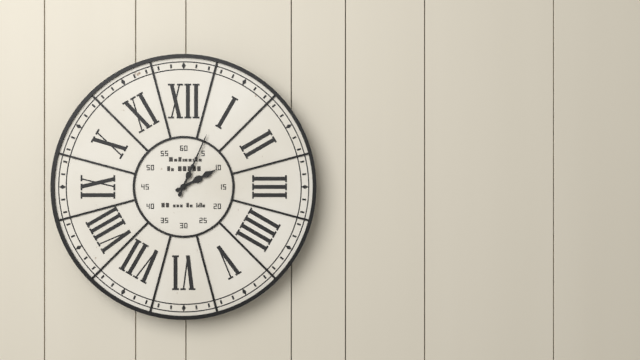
2:04
